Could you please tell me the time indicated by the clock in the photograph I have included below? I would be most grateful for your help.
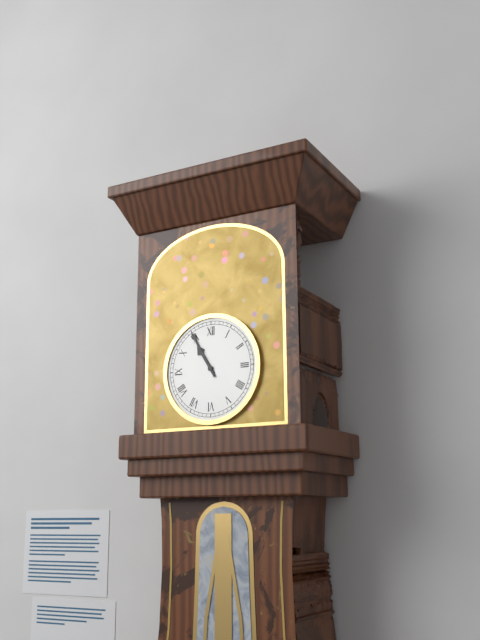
10:55
